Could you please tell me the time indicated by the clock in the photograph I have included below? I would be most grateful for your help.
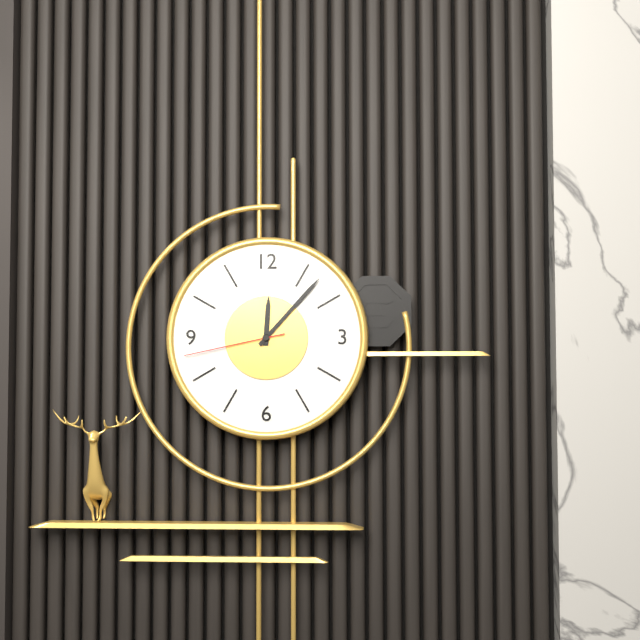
12:07:43
